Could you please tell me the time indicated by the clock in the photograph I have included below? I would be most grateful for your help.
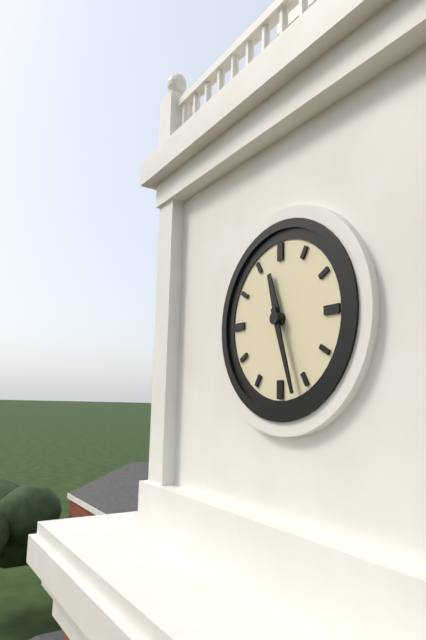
11:27
